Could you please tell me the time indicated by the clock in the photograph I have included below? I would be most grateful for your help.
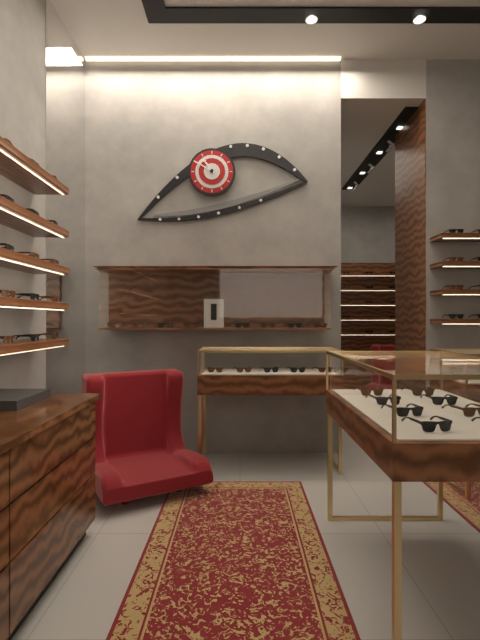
10:50
